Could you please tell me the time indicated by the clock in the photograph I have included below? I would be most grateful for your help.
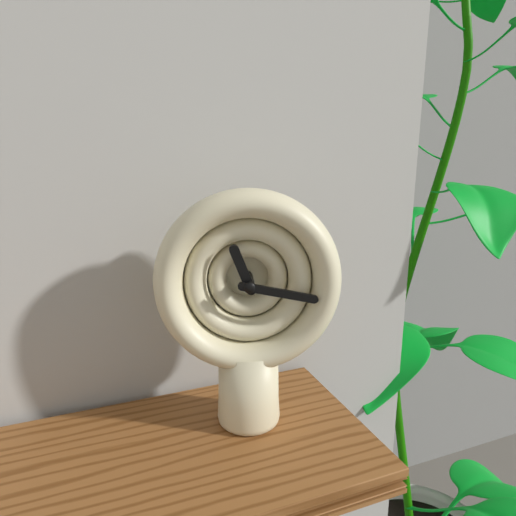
11:17
